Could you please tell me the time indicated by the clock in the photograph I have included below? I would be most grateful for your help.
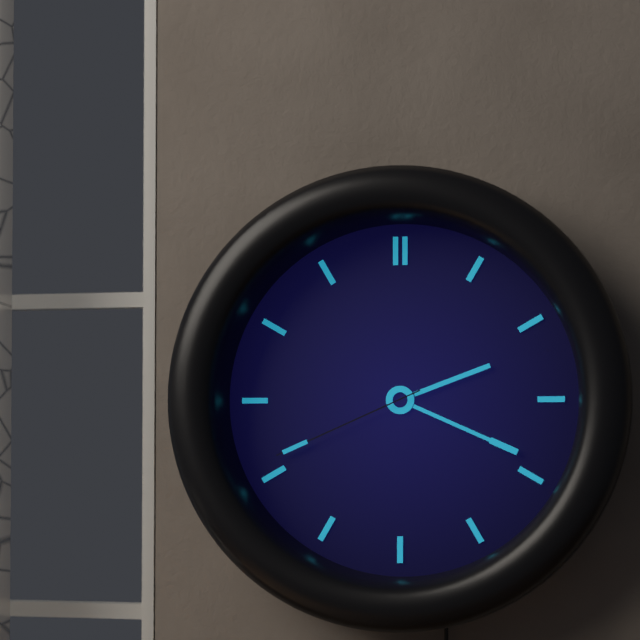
2:19:41
